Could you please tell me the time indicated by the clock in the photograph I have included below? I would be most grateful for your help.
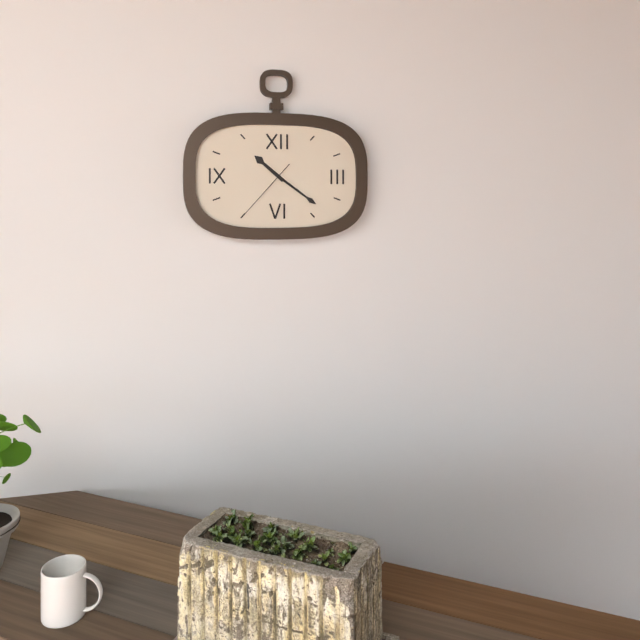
10:21:37
